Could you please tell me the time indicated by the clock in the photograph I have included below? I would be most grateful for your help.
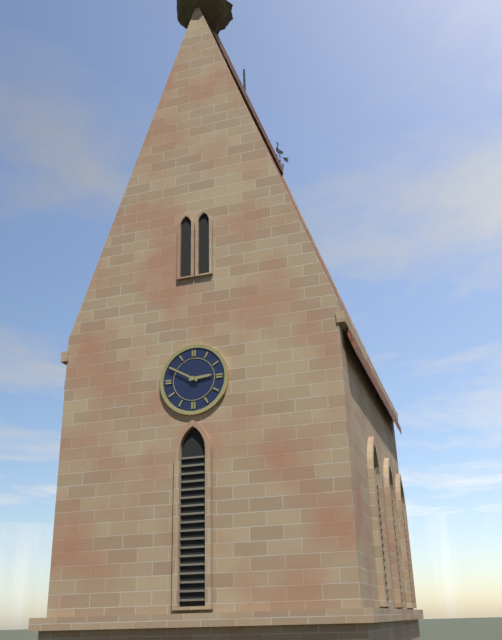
2:50
